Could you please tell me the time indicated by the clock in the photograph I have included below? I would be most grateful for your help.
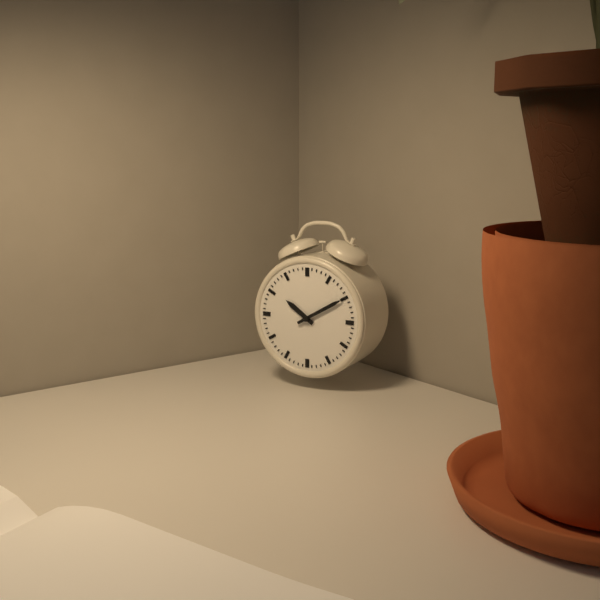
10:10
